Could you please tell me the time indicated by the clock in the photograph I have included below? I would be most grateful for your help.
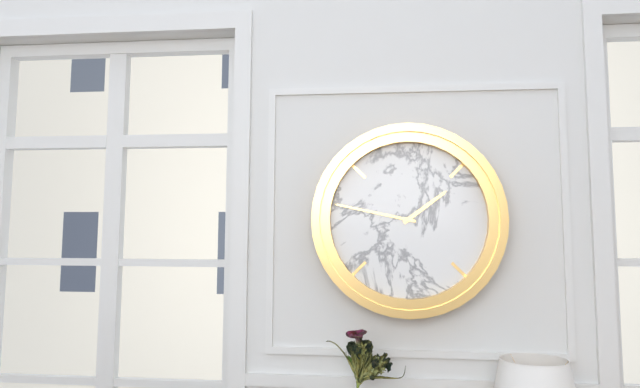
1:47
